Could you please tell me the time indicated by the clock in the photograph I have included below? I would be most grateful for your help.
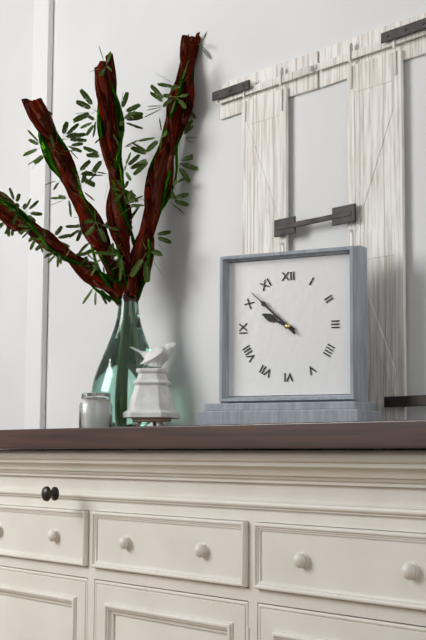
9:52
